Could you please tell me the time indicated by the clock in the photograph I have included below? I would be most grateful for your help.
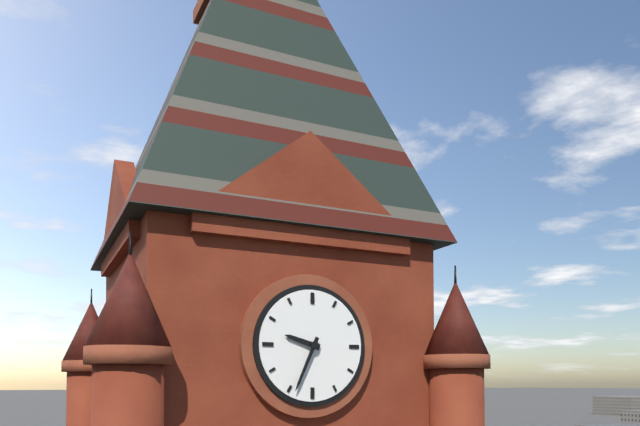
9:34
